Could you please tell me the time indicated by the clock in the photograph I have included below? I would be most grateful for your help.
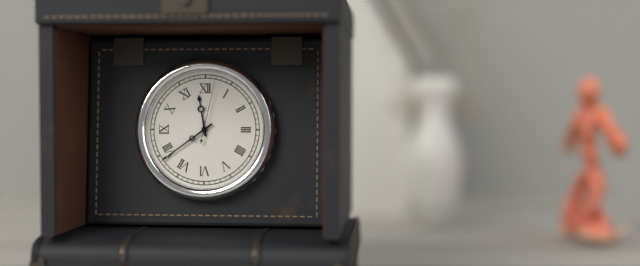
11:39:02
